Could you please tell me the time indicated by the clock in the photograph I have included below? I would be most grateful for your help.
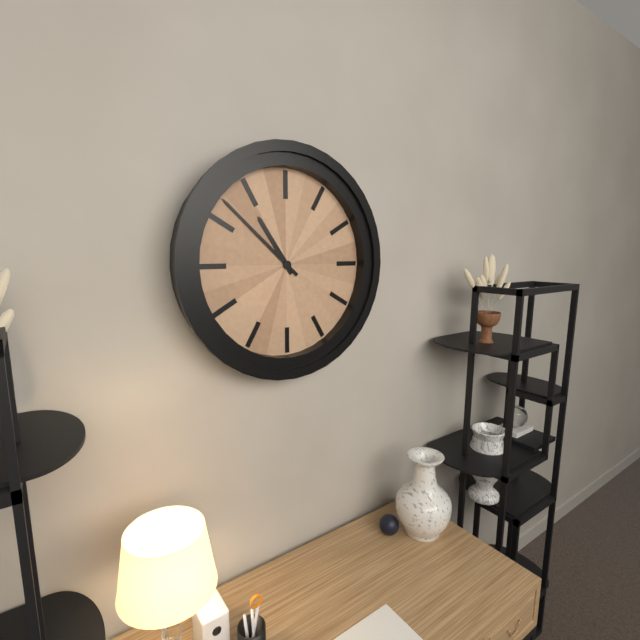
10:52
